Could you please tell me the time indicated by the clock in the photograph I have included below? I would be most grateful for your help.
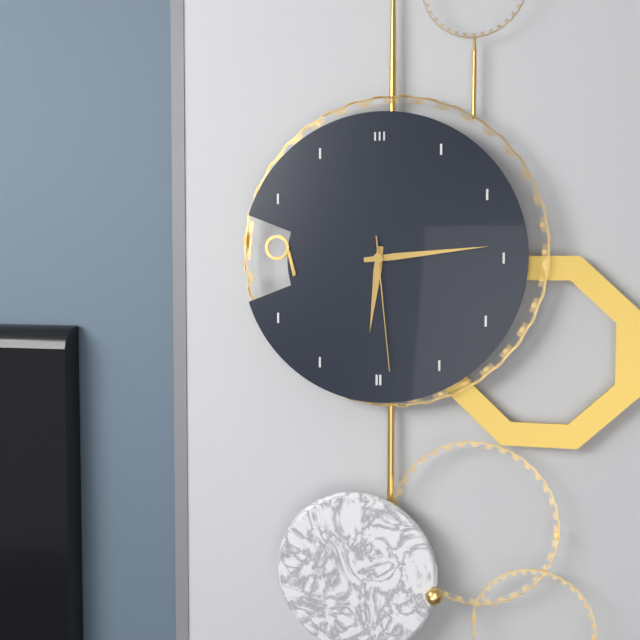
6:14:29
